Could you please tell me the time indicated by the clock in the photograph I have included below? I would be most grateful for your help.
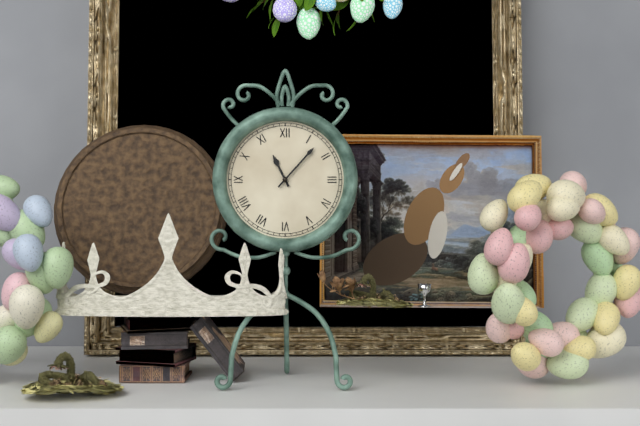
11:07
